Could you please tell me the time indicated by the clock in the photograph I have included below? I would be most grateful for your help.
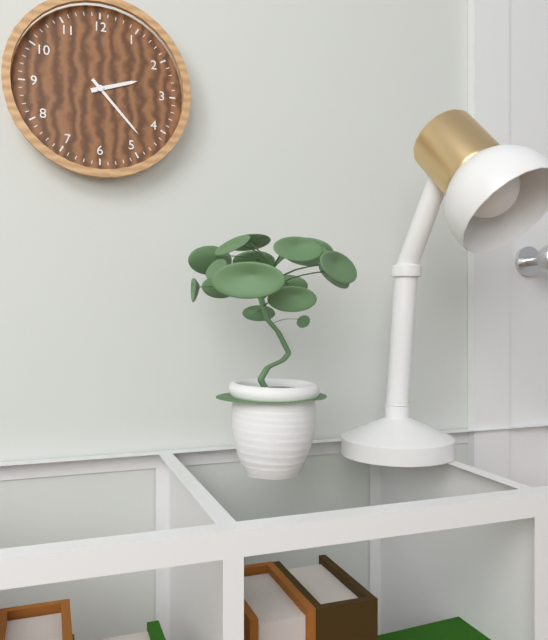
2:23
